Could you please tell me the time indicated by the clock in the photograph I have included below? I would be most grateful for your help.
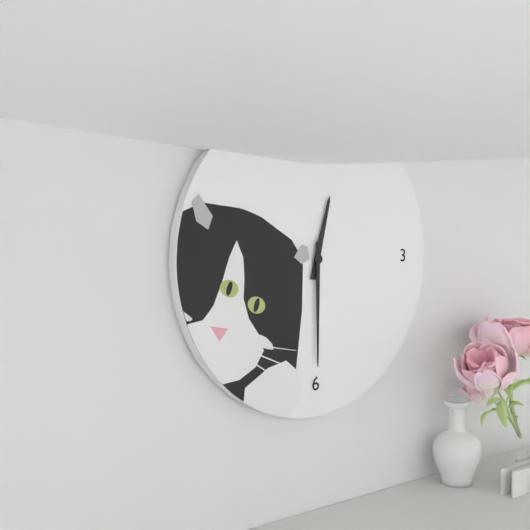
12:30
